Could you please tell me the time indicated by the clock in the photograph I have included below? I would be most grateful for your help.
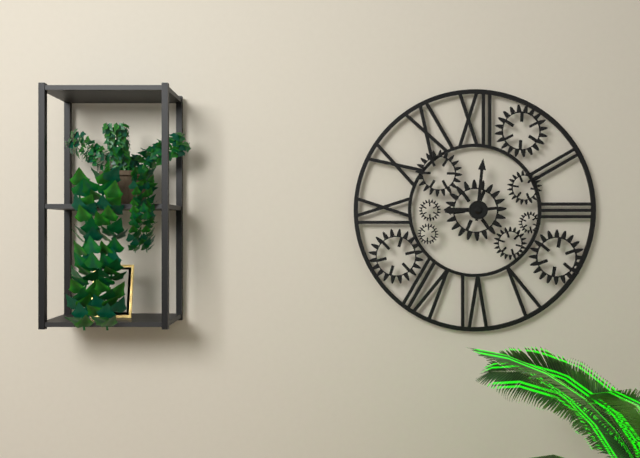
9:01
